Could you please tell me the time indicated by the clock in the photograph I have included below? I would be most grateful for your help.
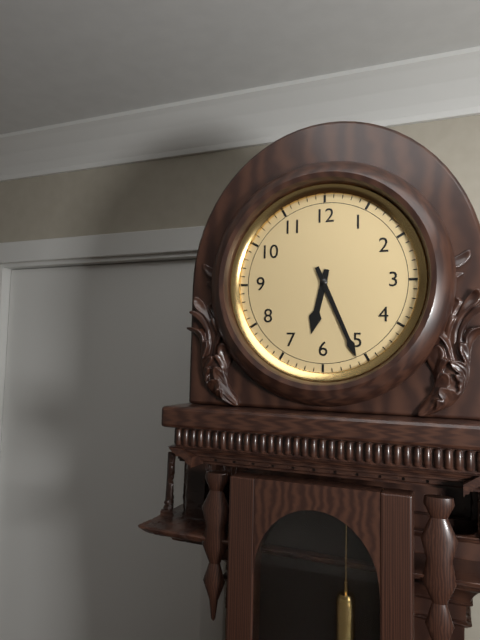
6:26
